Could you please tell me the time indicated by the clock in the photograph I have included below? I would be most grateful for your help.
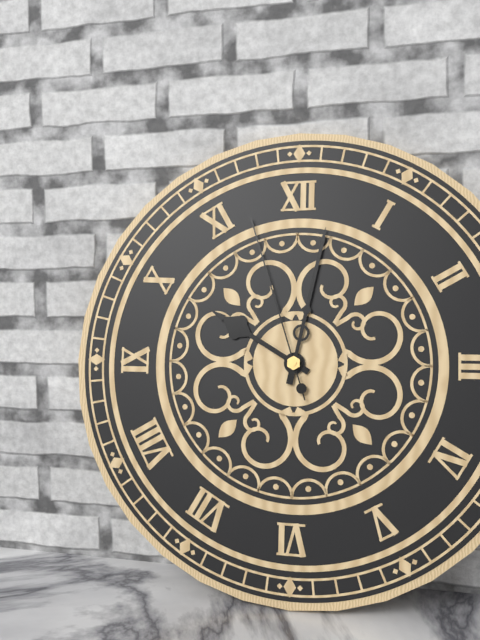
10:02:57
